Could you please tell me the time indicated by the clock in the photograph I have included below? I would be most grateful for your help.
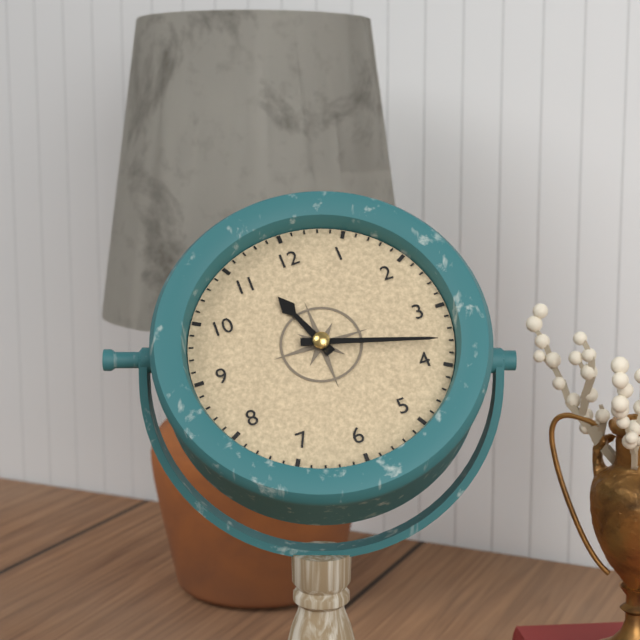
11:18
